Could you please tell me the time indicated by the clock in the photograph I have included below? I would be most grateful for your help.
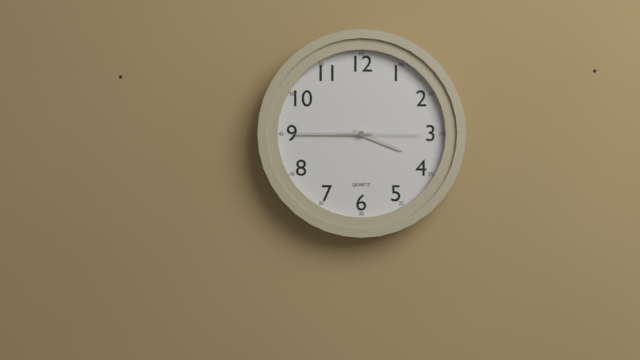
3:45:15
